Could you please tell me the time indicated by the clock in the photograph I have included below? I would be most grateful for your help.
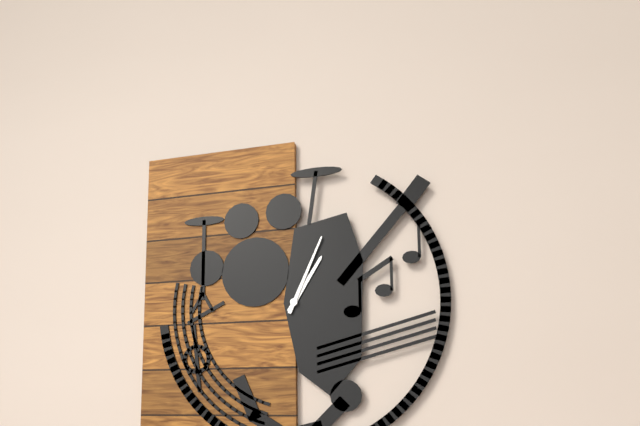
1:04
